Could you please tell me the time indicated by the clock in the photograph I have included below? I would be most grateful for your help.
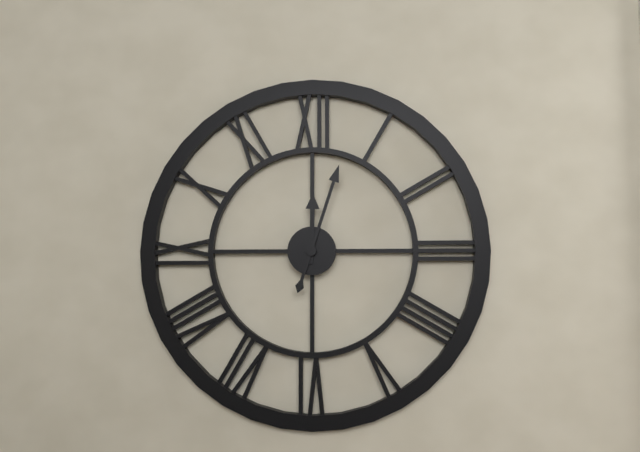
12:03
